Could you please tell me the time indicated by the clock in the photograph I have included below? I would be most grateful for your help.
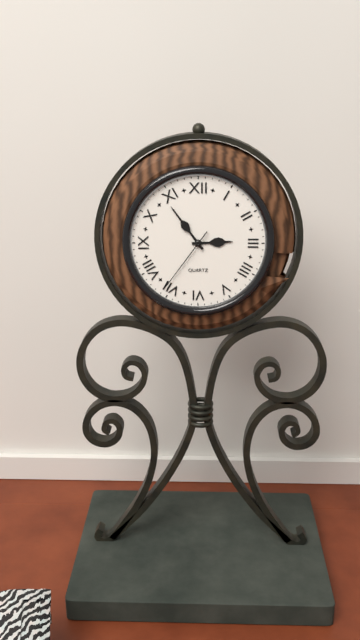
2:54:36
